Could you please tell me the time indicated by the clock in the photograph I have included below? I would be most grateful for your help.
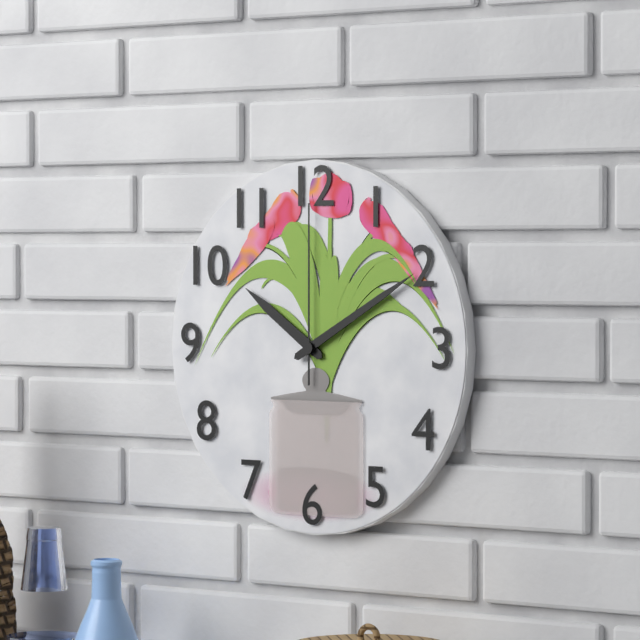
10:10:00
